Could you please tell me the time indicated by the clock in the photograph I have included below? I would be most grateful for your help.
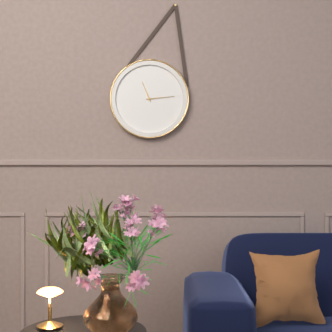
11:14
